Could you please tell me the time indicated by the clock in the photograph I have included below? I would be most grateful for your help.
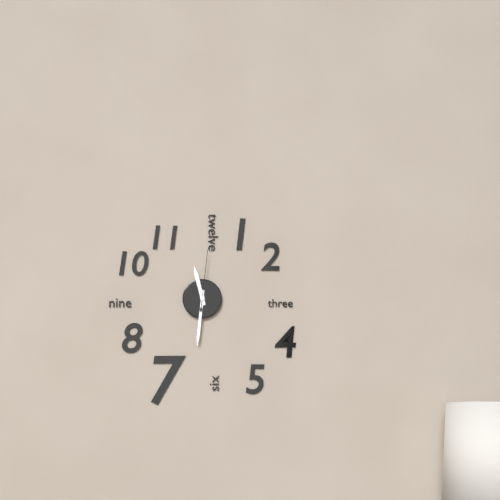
11:31:01
